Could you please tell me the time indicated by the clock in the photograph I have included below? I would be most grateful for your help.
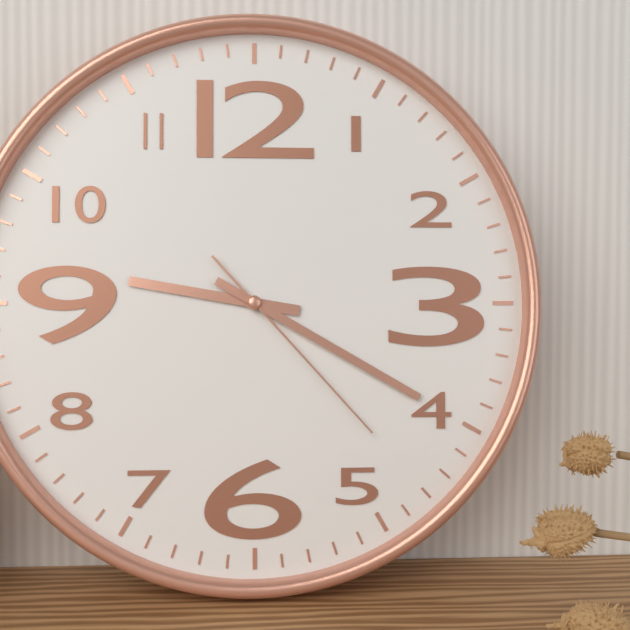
9:20:23
